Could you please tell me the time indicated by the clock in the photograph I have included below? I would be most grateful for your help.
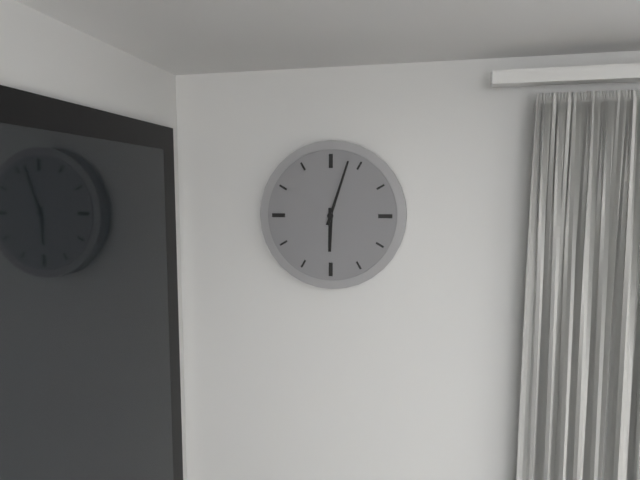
6:03
